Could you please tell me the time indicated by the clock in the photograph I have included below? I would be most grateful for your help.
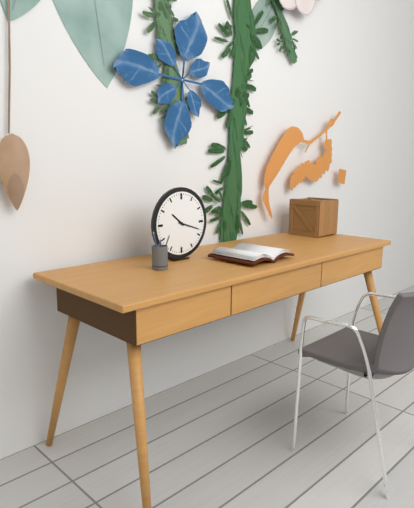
10:18
